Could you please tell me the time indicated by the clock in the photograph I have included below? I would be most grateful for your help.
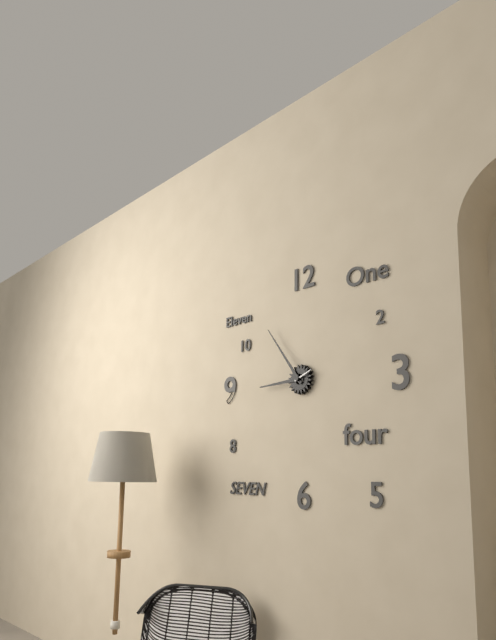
8:54
